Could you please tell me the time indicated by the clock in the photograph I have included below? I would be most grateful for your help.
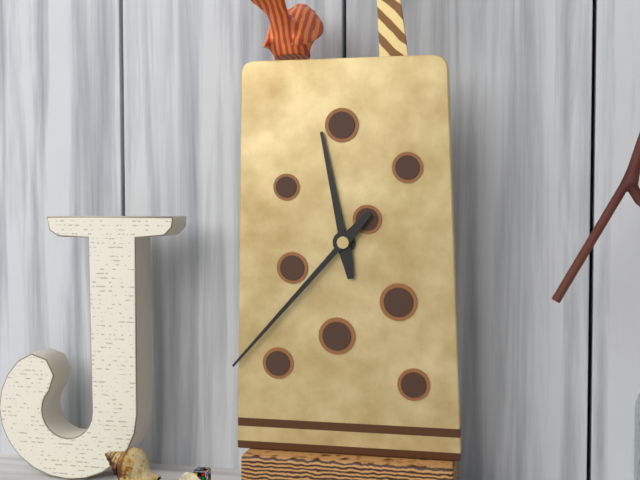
11:37
